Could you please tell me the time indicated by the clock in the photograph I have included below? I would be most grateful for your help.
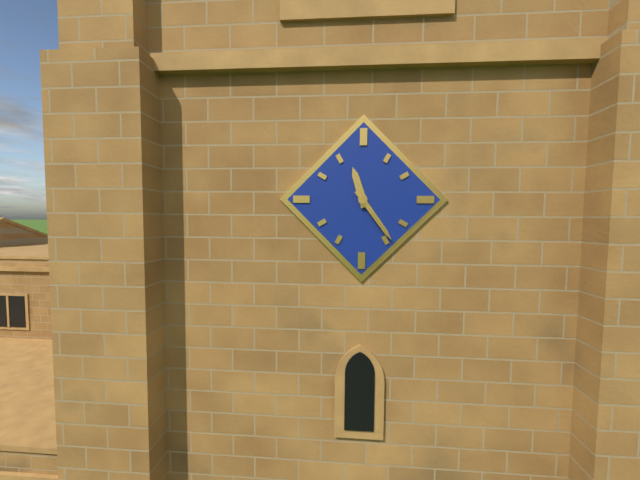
11:24
